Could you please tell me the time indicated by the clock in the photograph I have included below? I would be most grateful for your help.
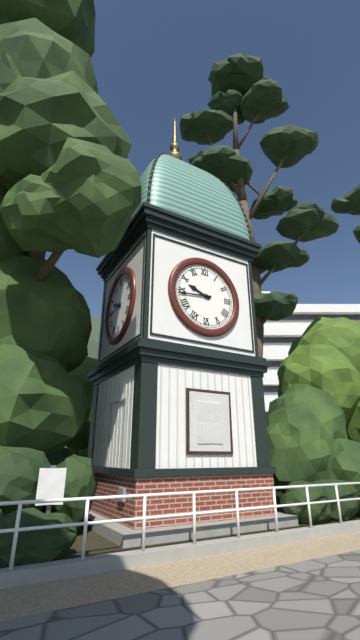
9:44
